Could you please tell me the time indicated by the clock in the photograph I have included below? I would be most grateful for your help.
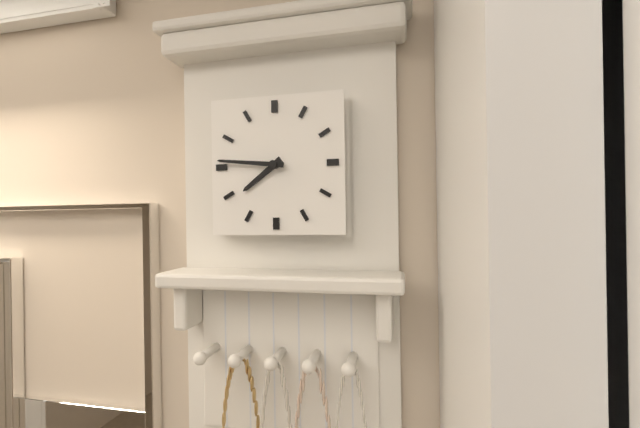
7:46
